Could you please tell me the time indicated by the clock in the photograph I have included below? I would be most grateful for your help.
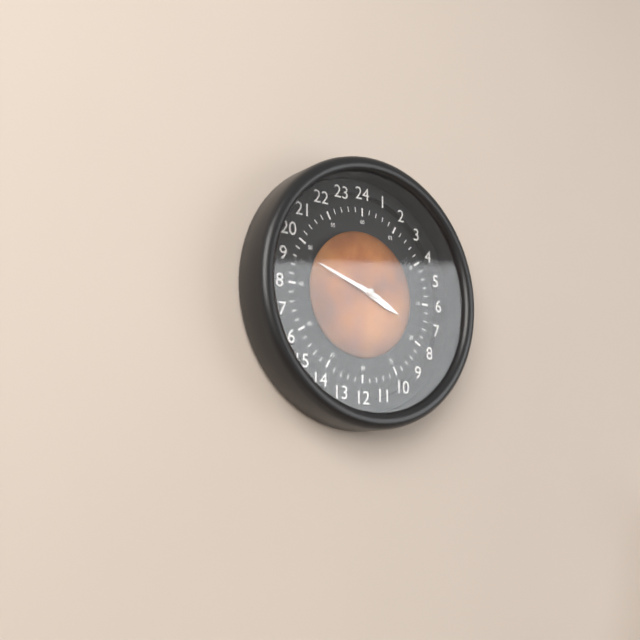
3:48
